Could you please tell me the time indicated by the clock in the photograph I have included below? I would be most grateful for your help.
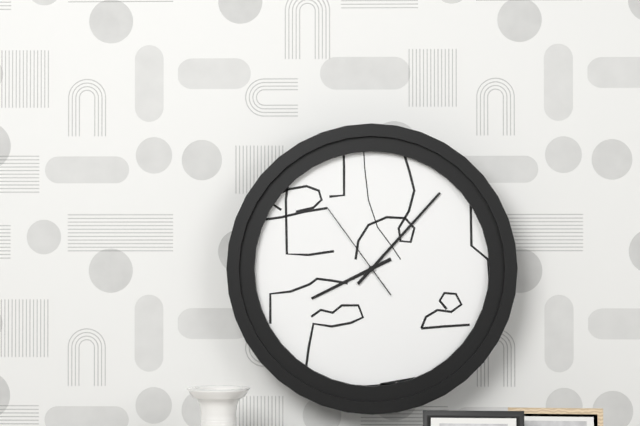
8:07:54
